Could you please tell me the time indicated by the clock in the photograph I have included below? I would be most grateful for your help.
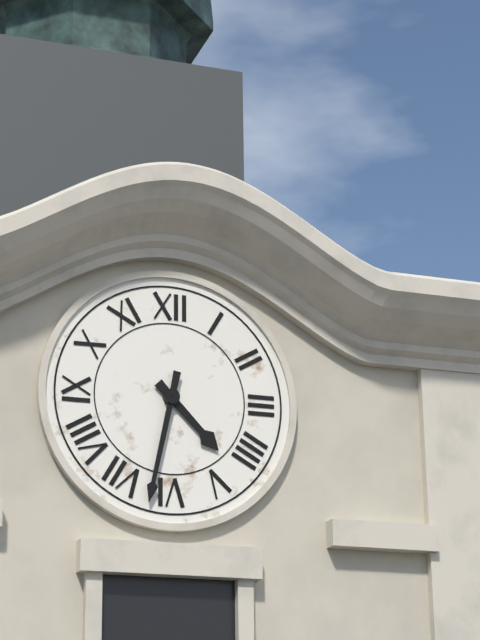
4:32
